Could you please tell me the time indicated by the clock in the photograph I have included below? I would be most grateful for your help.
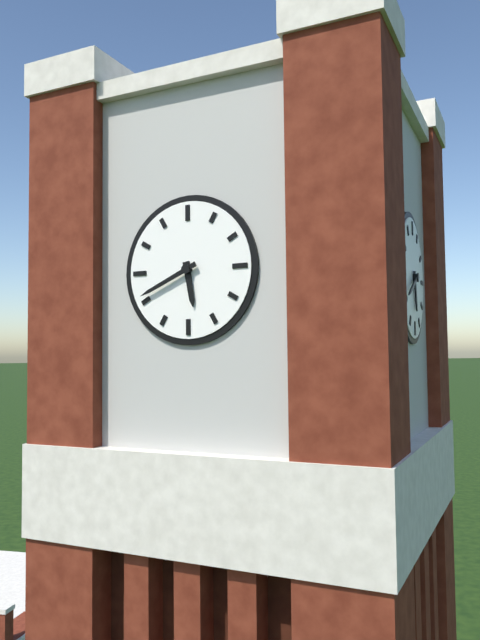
5:41
